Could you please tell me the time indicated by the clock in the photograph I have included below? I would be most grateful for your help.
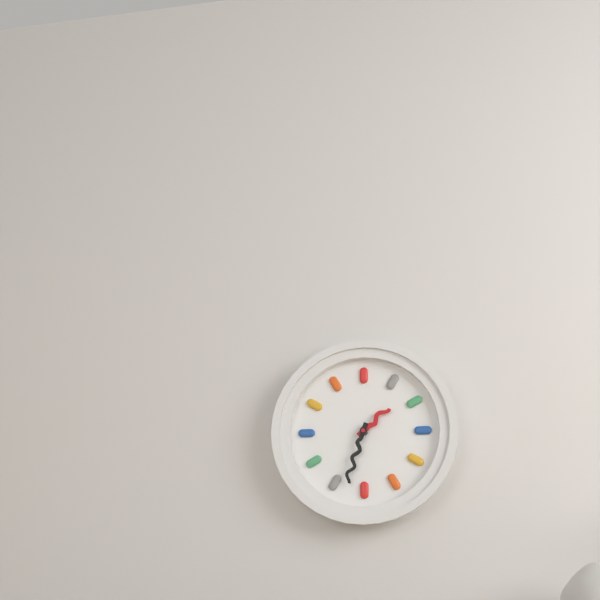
1:33
